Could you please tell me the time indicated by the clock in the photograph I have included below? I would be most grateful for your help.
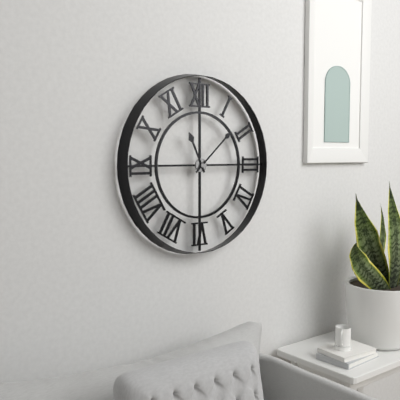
11:08
